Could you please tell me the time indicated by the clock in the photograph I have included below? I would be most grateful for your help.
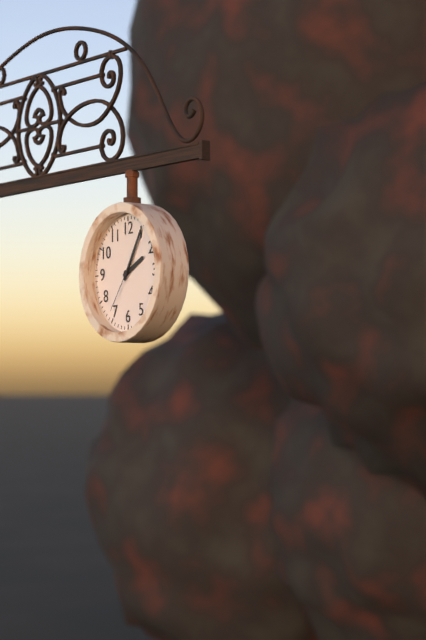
2:05:36
